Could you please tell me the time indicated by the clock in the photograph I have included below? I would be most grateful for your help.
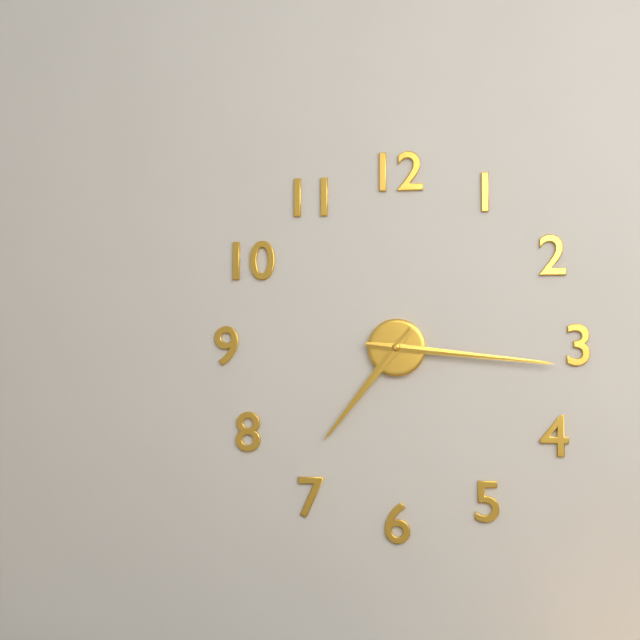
7:16
